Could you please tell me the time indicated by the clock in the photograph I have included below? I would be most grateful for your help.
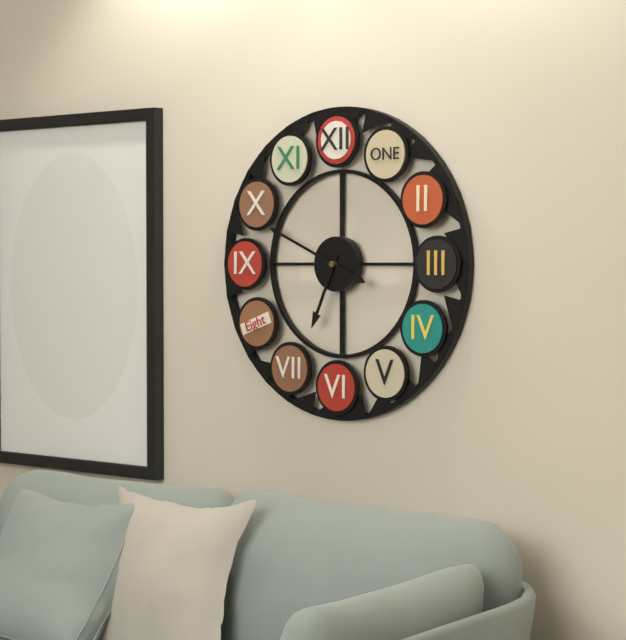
6:49
